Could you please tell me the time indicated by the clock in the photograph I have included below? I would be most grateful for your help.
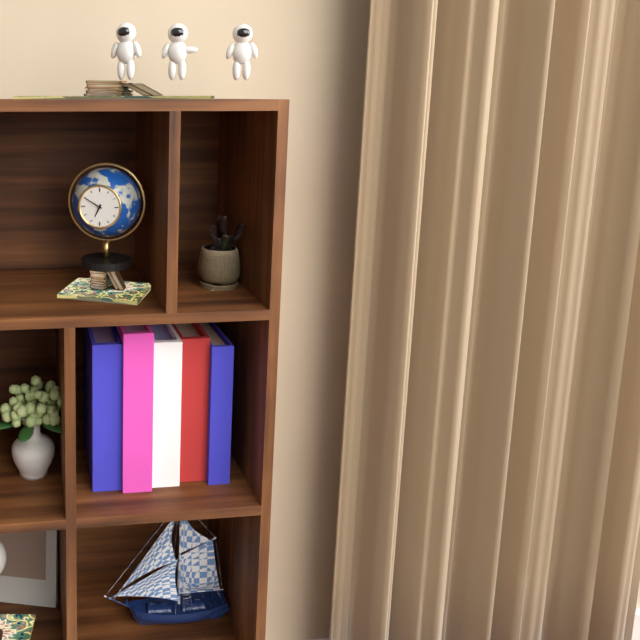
6:50
